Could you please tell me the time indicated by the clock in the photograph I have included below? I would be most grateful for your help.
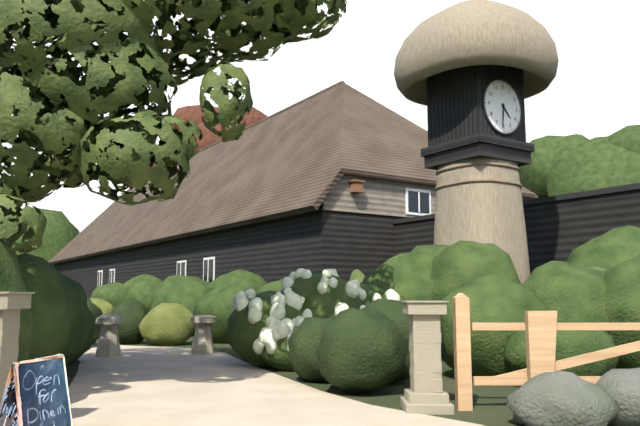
4:31
